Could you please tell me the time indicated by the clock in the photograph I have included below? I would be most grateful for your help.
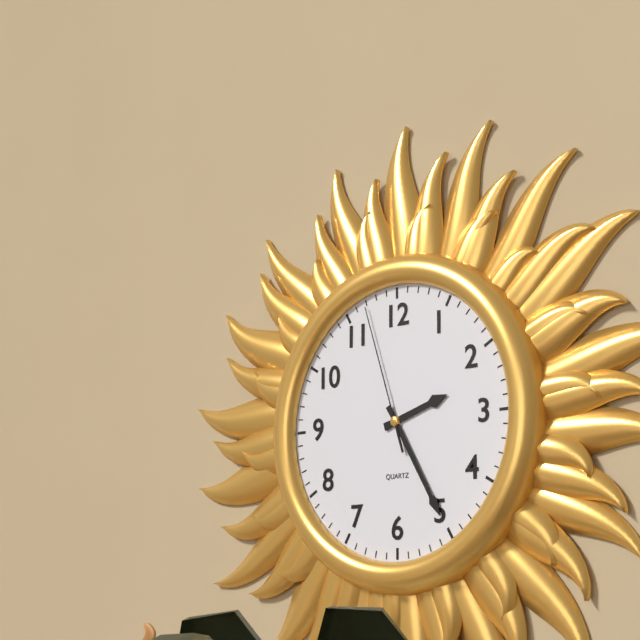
2:25:57
